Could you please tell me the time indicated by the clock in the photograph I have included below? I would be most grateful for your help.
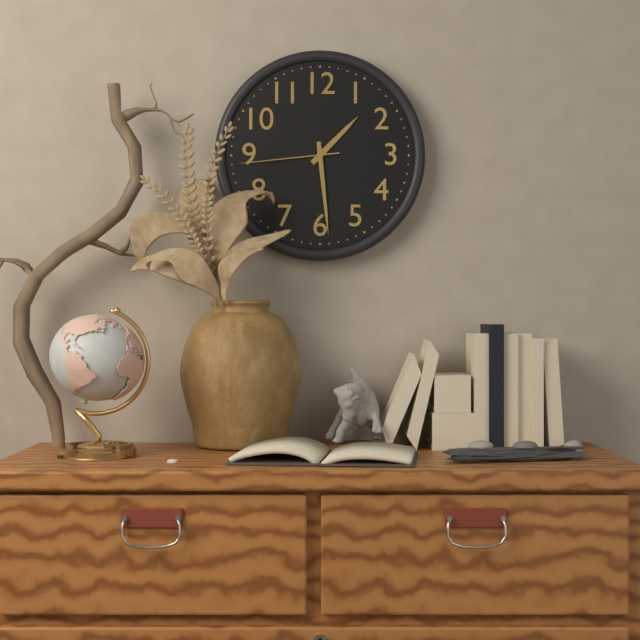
1:29:44
